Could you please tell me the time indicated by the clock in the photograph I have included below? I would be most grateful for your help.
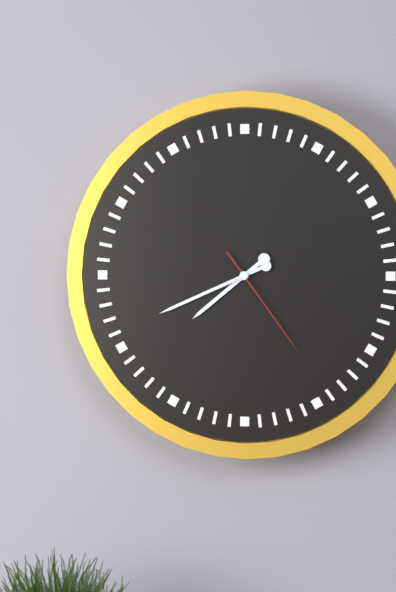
7:41:24
